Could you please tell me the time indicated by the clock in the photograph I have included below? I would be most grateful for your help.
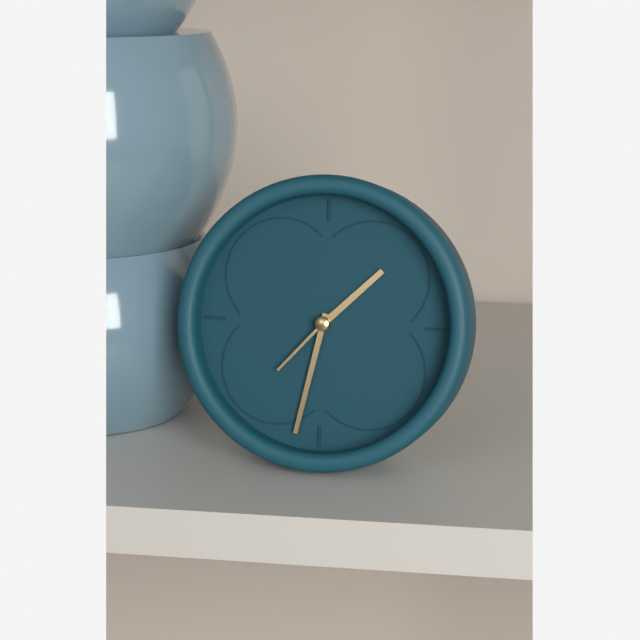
1:32:37
